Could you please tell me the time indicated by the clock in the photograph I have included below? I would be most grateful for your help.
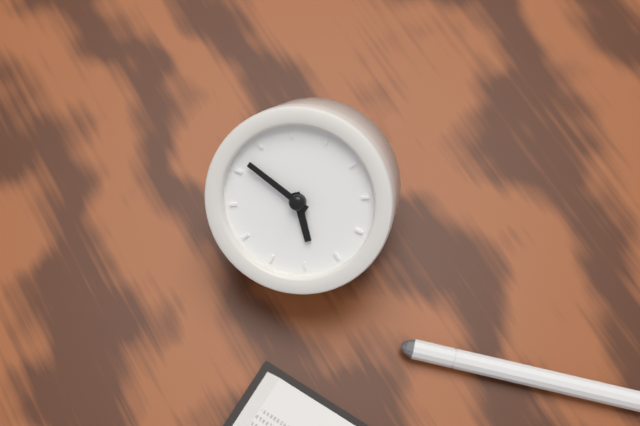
3:42
